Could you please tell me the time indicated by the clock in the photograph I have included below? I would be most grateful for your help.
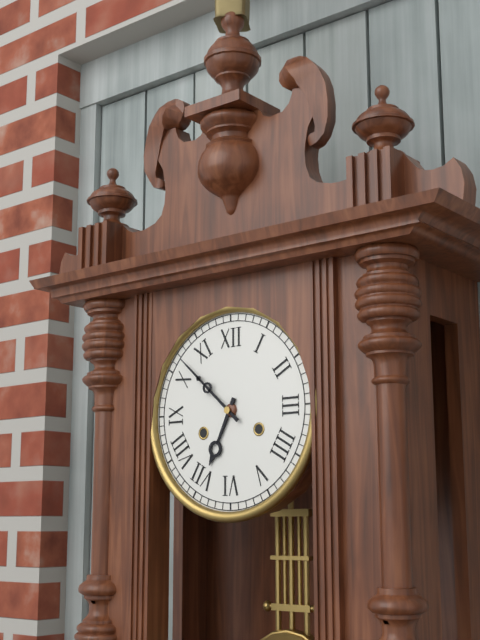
6:52
